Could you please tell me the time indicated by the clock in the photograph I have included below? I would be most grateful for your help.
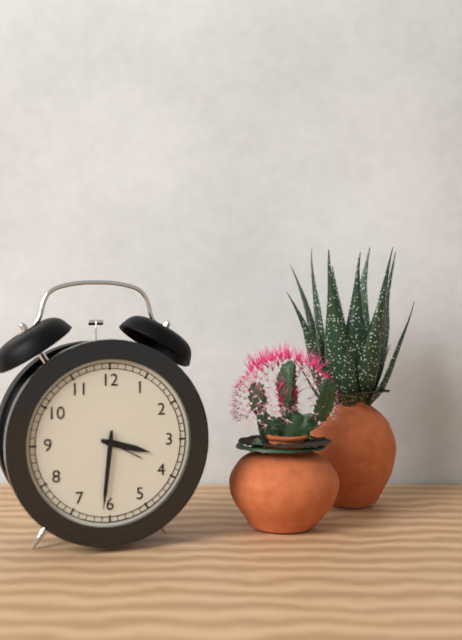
3:31
